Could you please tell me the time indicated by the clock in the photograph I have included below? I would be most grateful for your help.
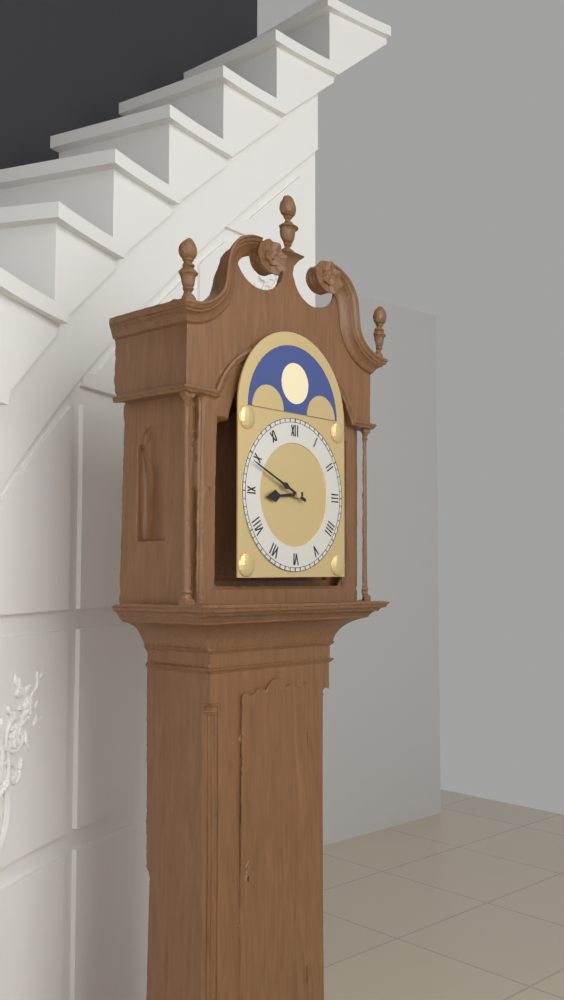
8:49
